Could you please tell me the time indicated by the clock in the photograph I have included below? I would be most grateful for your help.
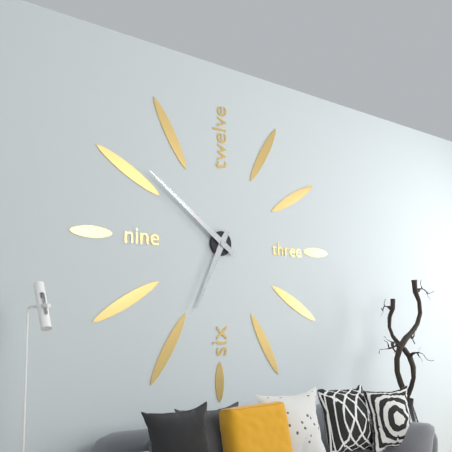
6:51
